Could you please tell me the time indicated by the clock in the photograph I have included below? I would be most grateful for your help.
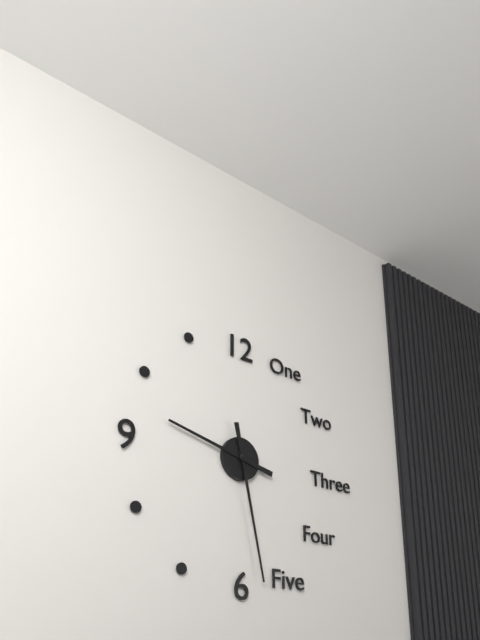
9:28
